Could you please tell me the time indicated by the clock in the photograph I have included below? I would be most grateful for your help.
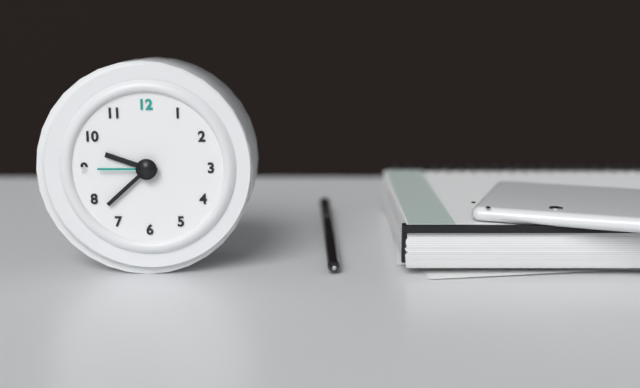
9:38:45
